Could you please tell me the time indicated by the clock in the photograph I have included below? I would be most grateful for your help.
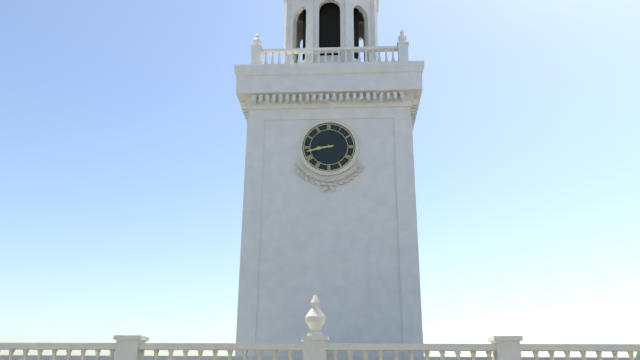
8:43
